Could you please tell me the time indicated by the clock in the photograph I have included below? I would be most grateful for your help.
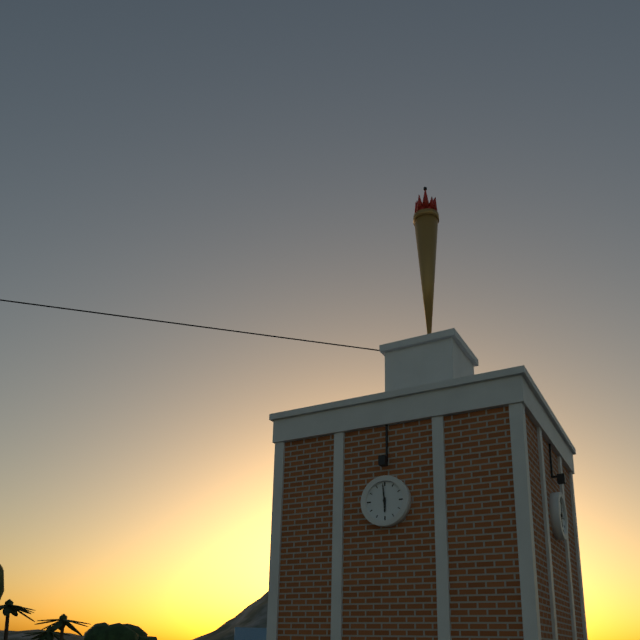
5:59
